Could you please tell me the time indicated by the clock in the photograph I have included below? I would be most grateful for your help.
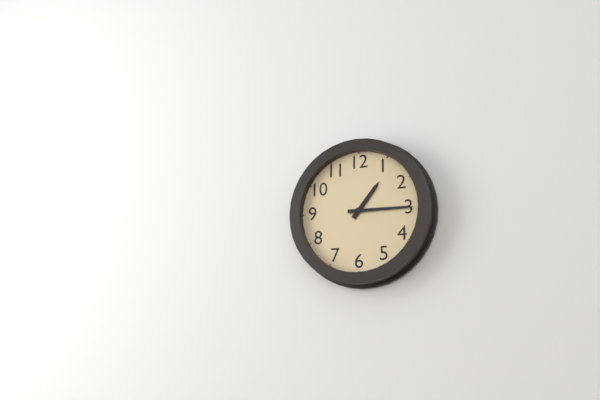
1:15
